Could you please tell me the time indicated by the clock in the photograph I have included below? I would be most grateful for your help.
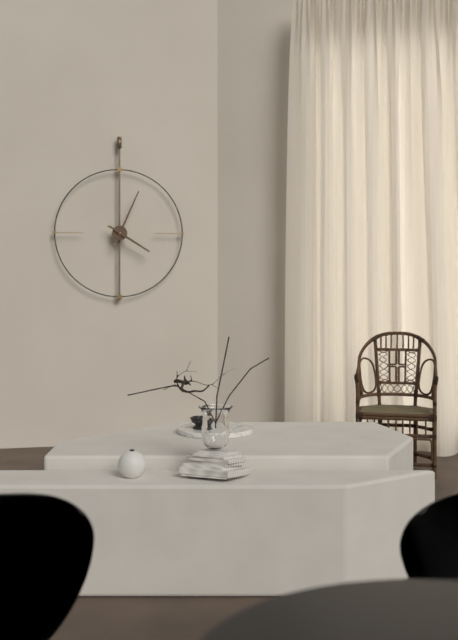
4:04
